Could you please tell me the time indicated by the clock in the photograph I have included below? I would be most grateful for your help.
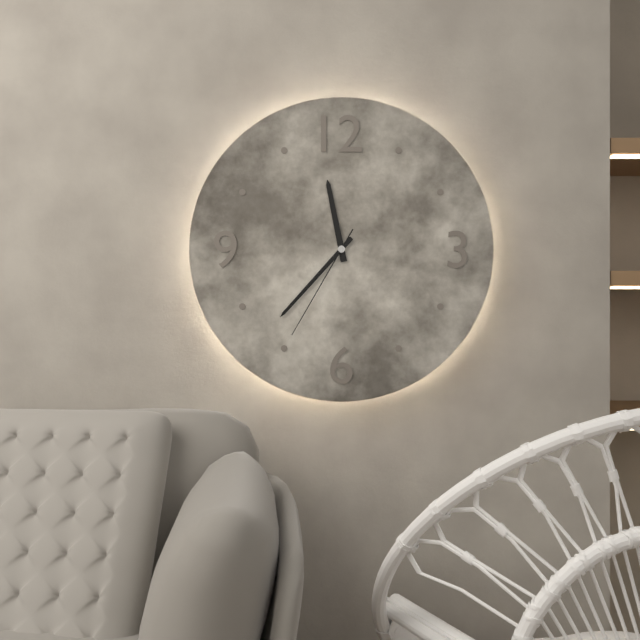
11:37:35
